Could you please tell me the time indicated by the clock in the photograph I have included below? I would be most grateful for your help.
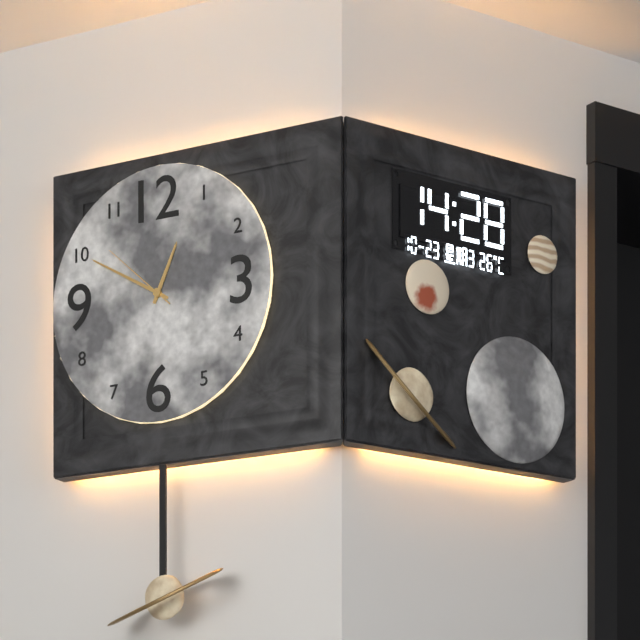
12:50:52
